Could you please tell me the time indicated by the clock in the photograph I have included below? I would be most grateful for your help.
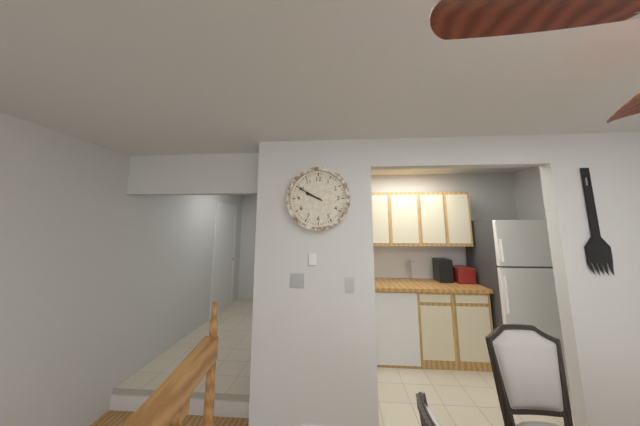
9:50
